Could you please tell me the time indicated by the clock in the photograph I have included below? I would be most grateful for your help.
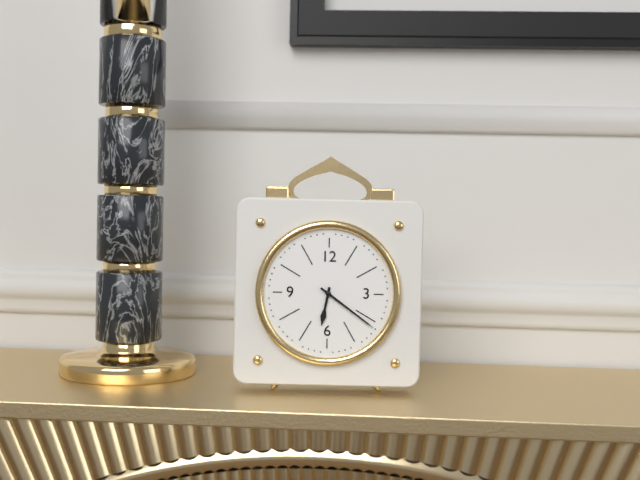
6:21
